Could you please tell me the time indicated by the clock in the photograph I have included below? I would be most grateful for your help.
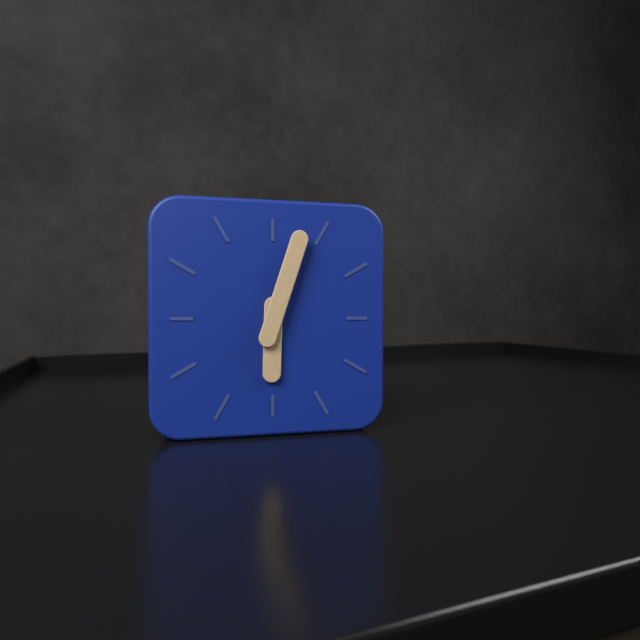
6:03
